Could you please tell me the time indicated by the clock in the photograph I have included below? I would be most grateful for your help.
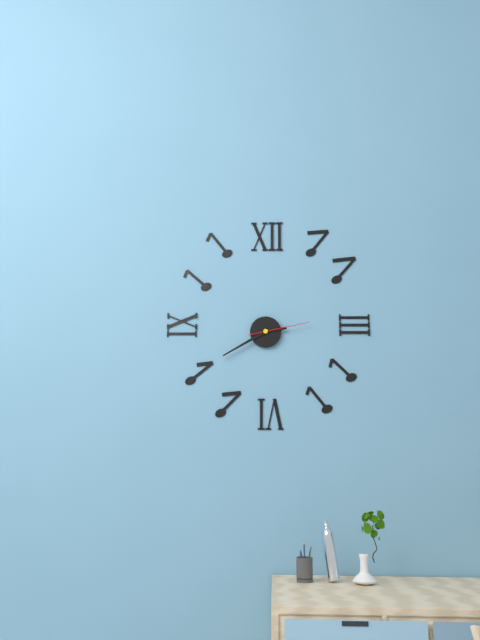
2:40:13
